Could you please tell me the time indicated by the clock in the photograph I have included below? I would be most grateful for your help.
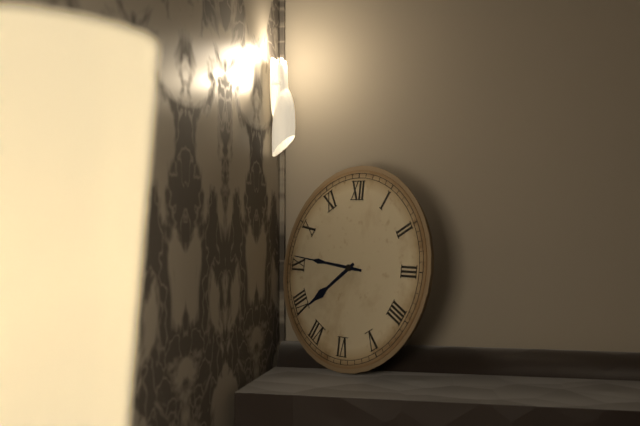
7:46
